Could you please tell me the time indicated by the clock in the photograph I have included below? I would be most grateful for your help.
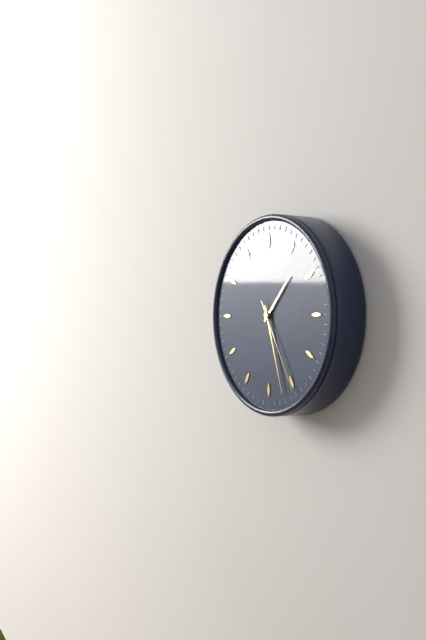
1:27:25
